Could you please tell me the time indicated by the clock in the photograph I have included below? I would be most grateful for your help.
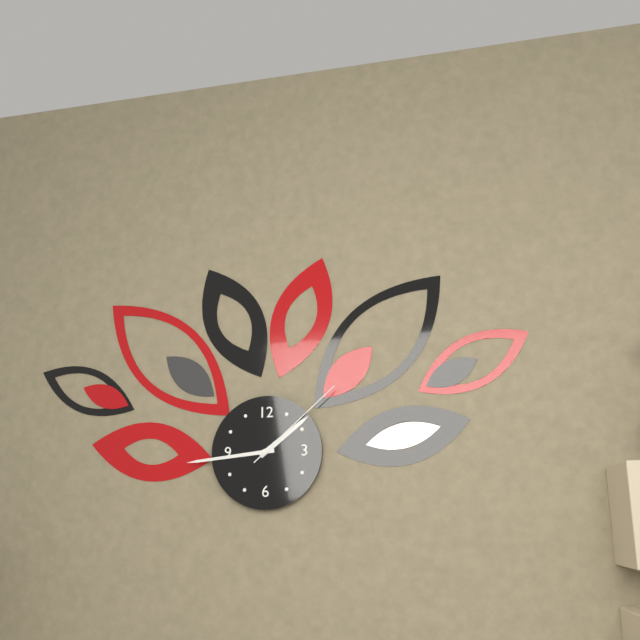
1:44:08
